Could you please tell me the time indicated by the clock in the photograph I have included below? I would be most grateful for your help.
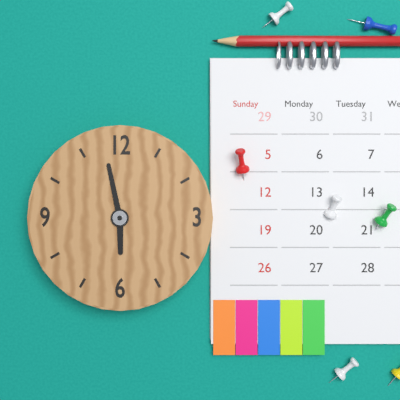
5:58
